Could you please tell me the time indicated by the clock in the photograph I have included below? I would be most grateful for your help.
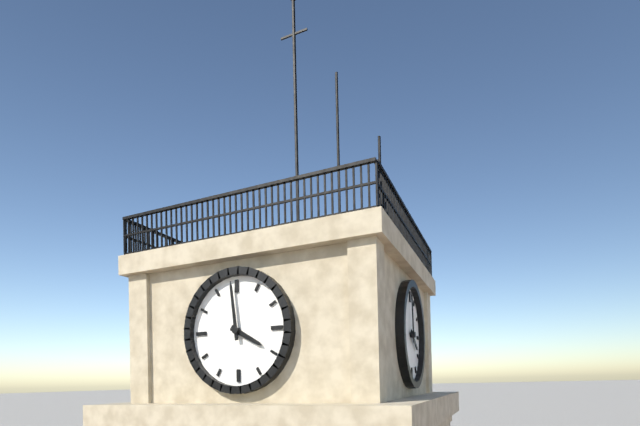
3:59
